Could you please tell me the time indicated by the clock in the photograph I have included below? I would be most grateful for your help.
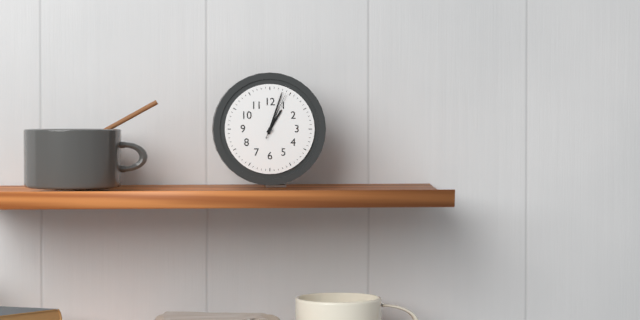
1:03
